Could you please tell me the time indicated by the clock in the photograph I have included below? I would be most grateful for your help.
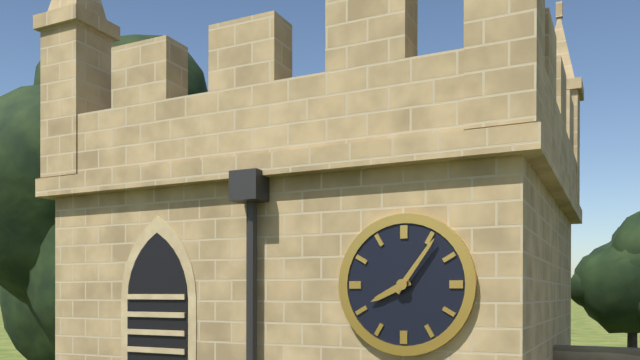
8:06
